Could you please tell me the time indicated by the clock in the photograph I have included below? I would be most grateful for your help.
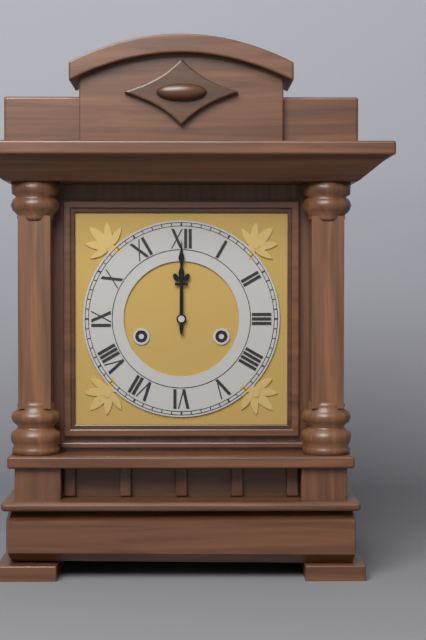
12:00
